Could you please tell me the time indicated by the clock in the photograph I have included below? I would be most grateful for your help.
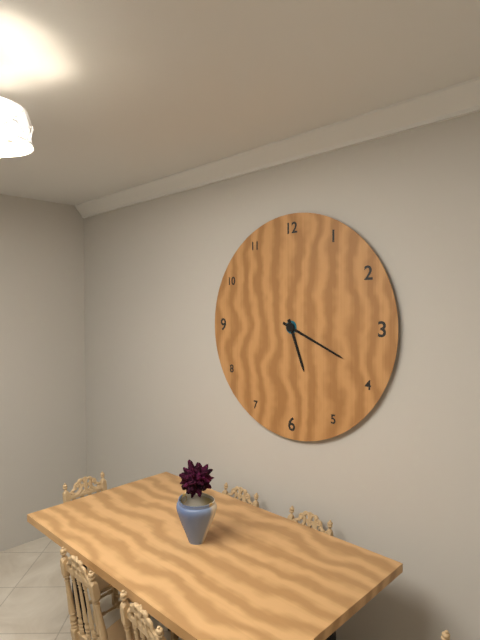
5:19
